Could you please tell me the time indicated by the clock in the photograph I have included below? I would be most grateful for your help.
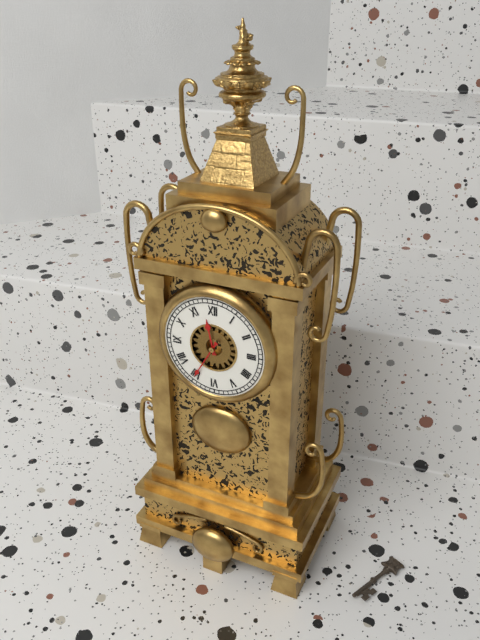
11:35
